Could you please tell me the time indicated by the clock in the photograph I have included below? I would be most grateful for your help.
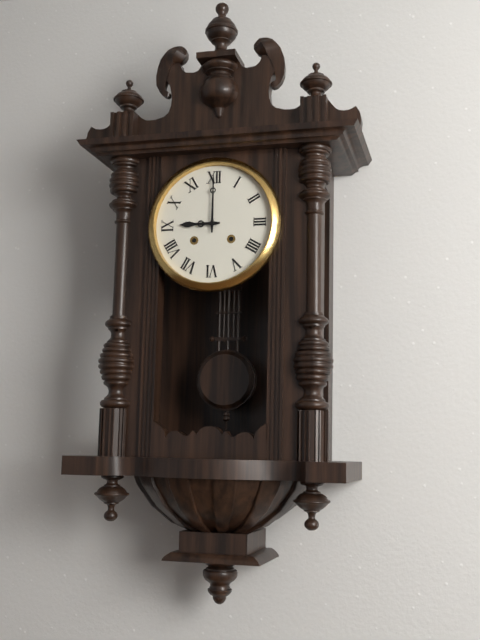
9:00
